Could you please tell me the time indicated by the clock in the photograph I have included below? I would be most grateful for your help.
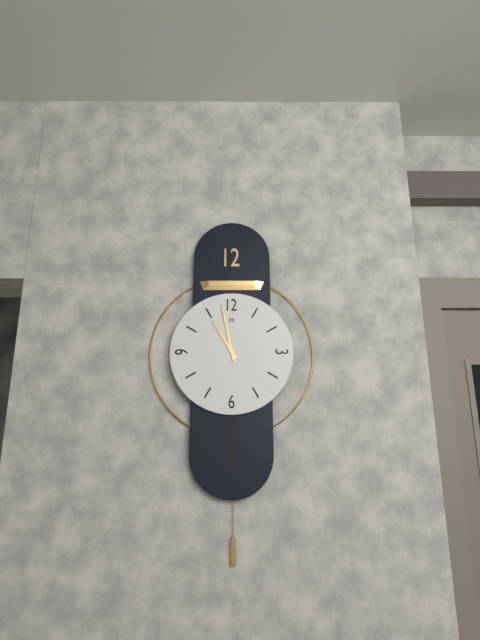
10:58
